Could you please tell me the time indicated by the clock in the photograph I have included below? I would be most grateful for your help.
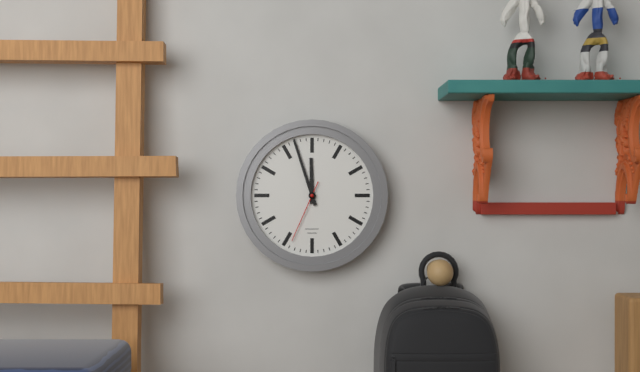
11:57:34
